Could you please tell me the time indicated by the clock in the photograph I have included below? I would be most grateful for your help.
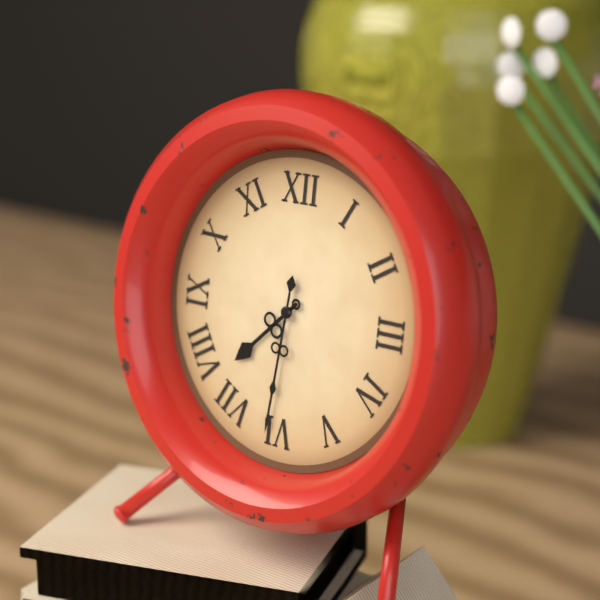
7:31
